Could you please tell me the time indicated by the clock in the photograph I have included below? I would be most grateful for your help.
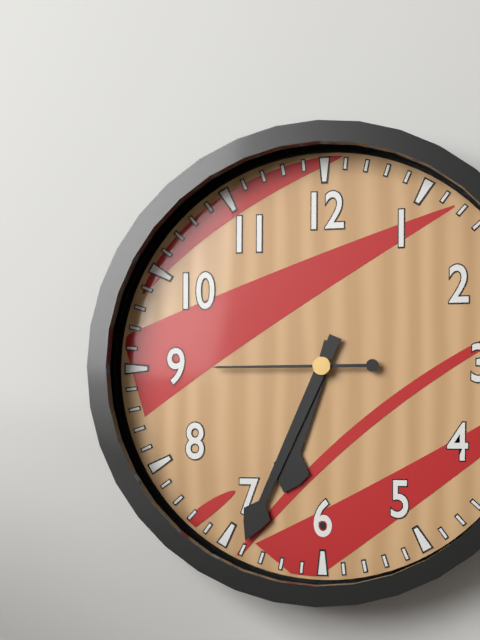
6:34:45
